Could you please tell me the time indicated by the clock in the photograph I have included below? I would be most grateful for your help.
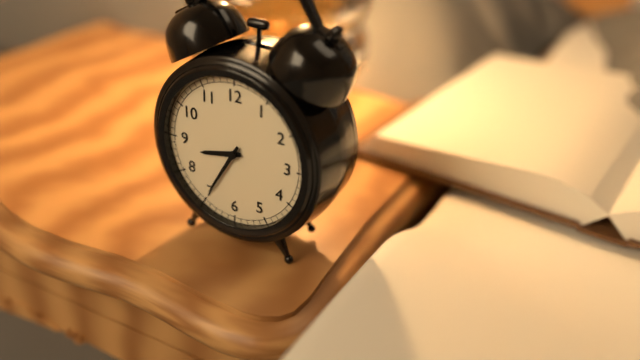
8:35
